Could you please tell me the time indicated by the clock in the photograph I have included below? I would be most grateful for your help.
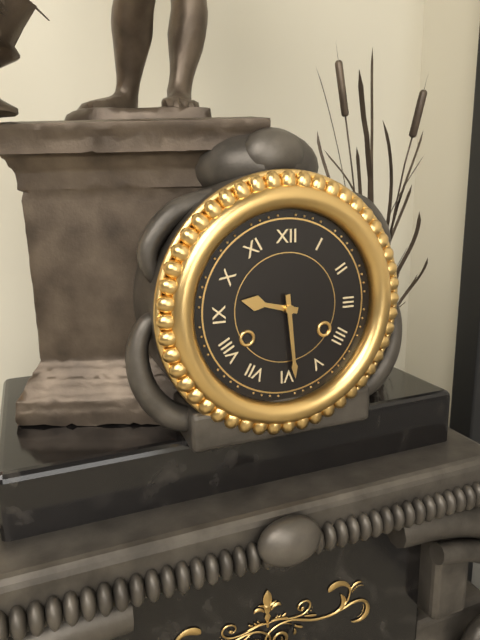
9:29
